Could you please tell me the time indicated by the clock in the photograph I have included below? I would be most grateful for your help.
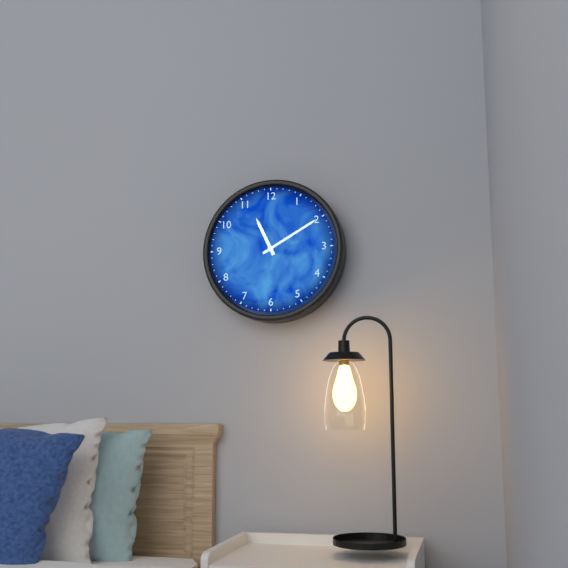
11:10
